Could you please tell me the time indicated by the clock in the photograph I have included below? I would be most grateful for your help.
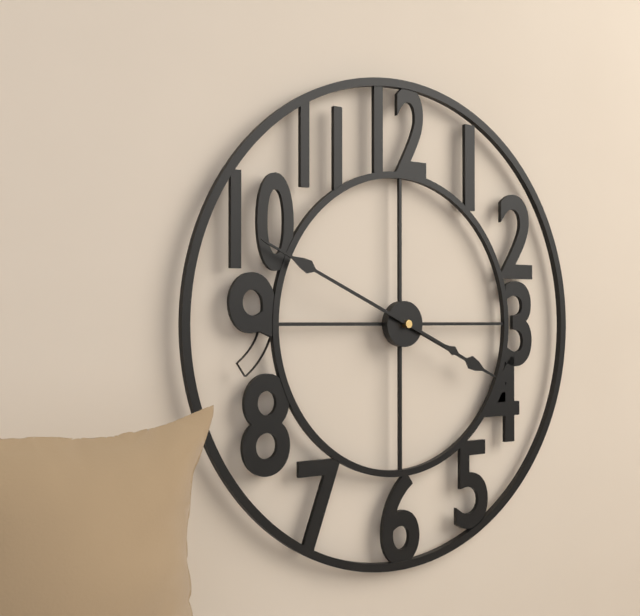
3:49
